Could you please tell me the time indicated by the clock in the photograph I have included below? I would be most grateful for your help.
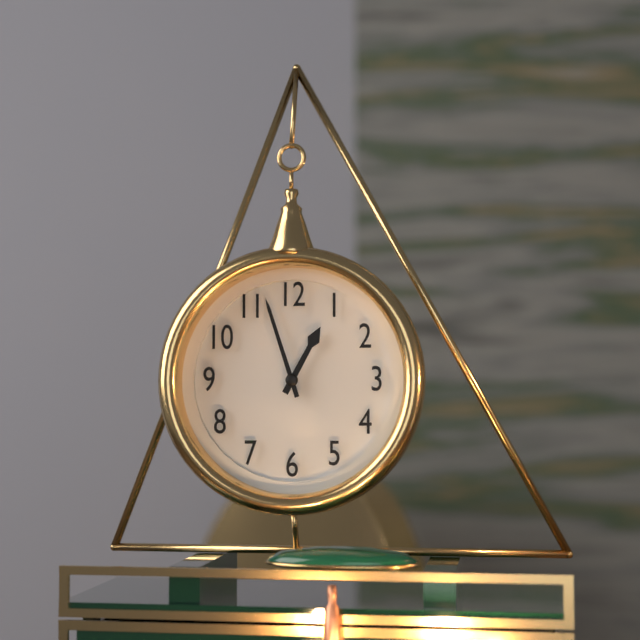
12:57
